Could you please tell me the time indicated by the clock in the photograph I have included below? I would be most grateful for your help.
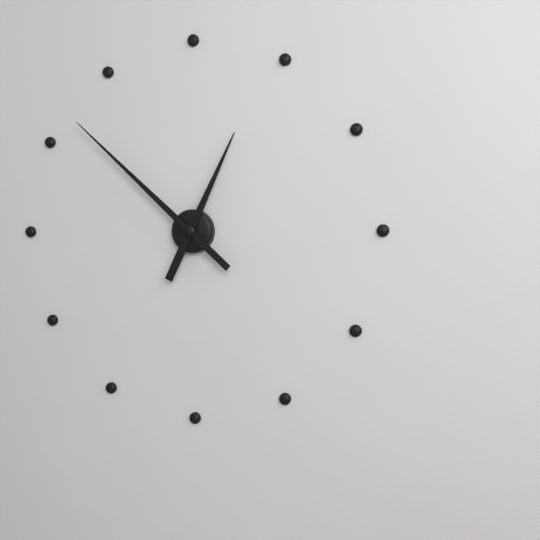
12:52
